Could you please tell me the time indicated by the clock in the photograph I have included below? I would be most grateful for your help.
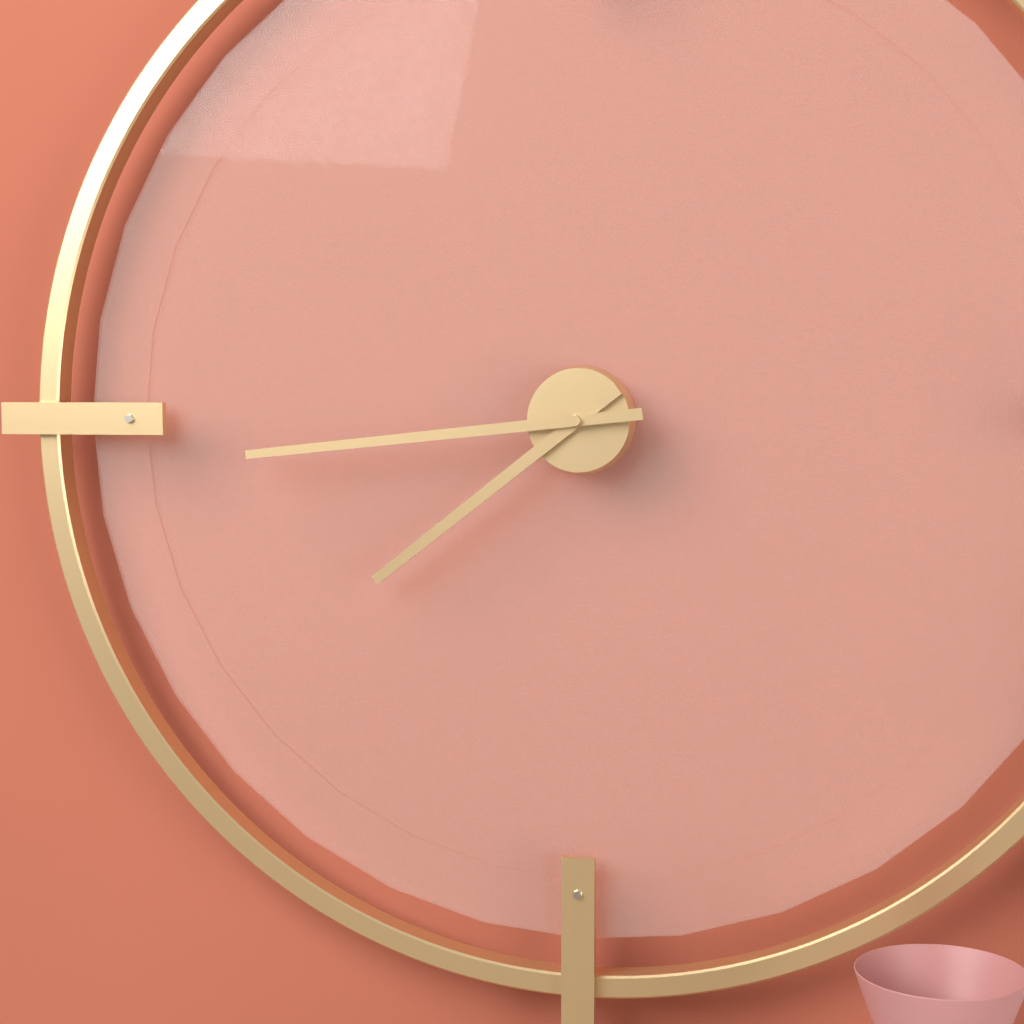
7:44
